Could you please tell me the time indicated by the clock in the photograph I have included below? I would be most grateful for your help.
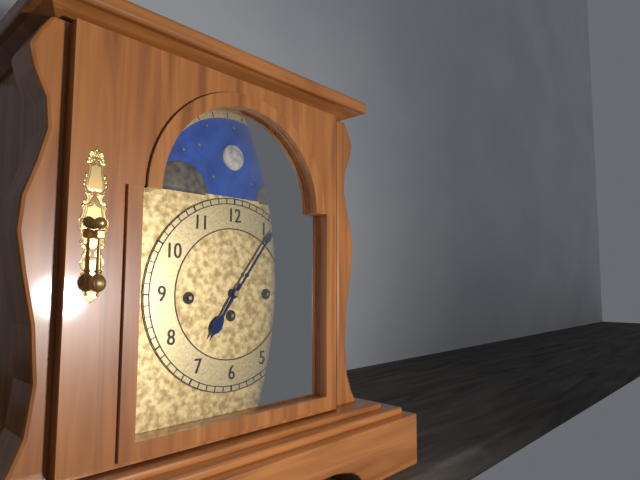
7:06
